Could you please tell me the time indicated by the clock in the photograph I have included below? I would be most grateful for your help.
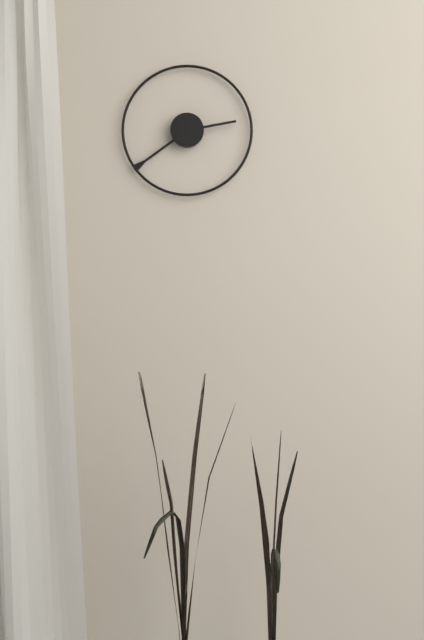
2:39
